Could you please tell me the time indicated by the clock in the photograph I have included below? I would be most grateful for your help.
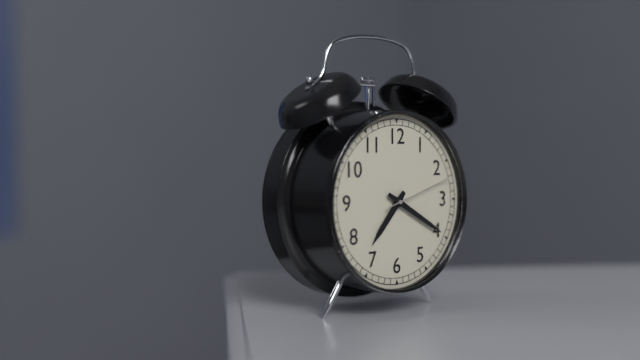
7:20:12
